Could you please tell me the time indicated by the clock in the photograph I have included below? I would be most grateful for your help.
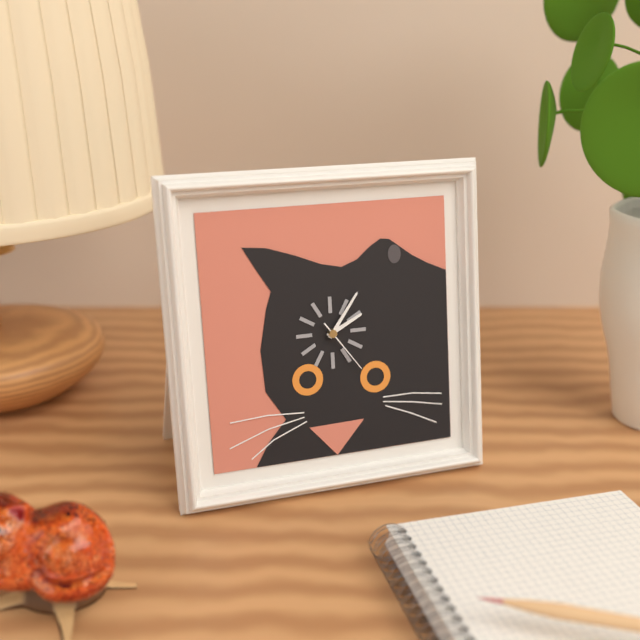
2:06:24
